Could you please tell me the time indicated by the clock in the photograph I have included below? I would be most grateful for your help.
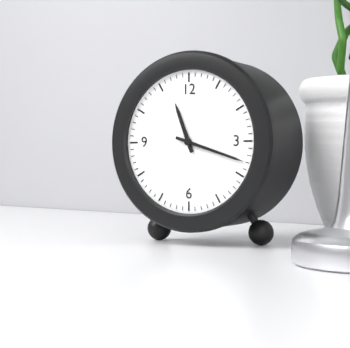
11:18
